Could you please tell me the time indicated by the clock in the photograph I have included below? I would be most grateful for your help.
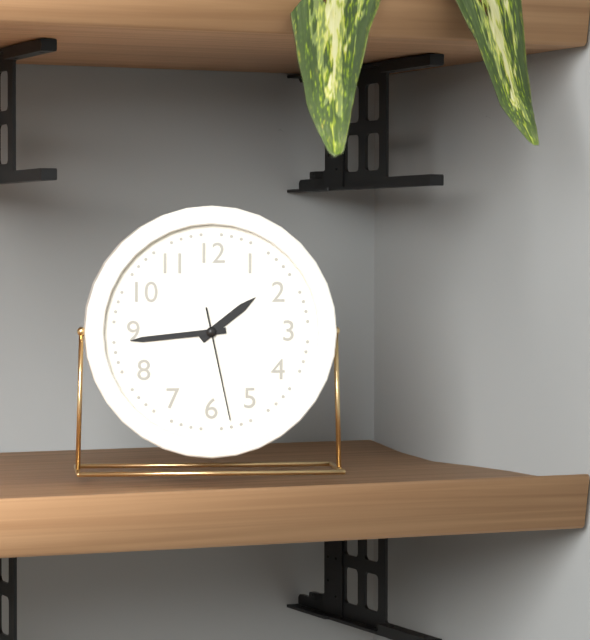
1:44:28
